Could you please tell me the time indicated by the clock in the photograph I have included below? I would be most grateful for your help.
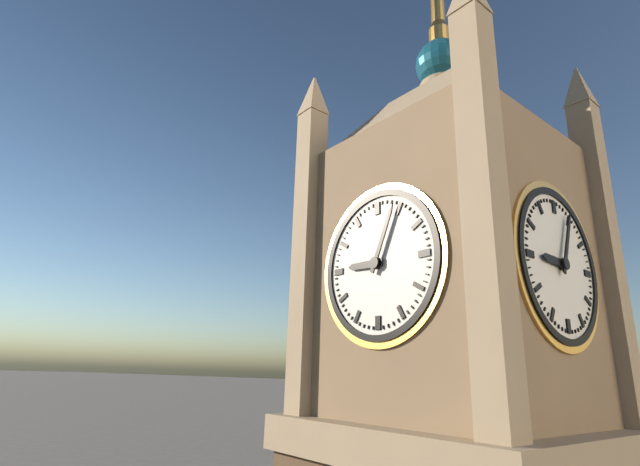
9:04
